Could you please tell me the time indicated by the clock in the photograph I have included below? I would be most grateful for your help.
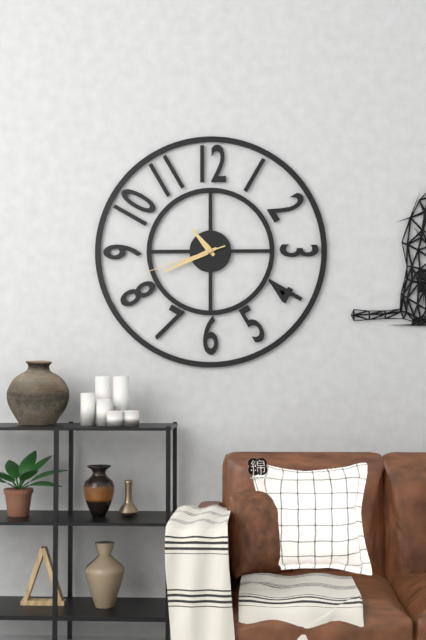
10:41:42
